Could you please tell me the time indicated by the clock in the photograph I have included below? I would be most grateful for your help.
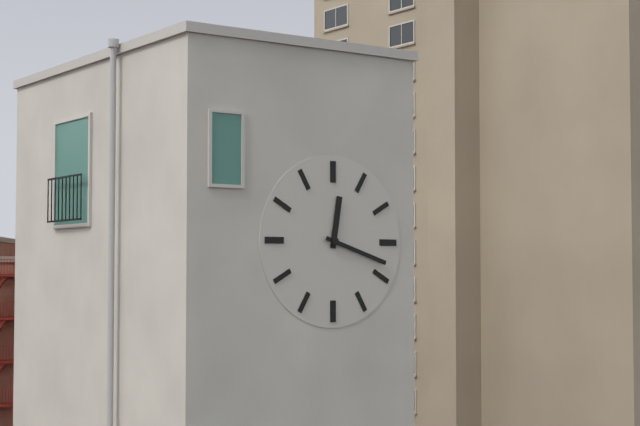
12:18
